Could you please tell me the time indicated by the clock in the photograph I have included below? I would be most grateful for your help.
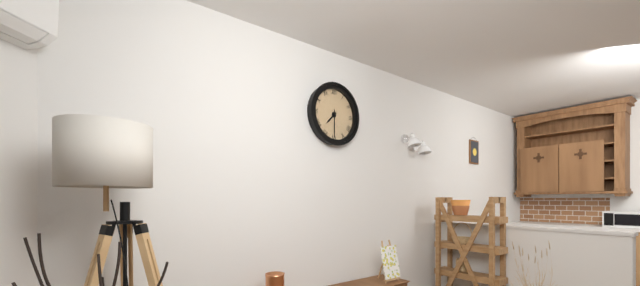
7:30
